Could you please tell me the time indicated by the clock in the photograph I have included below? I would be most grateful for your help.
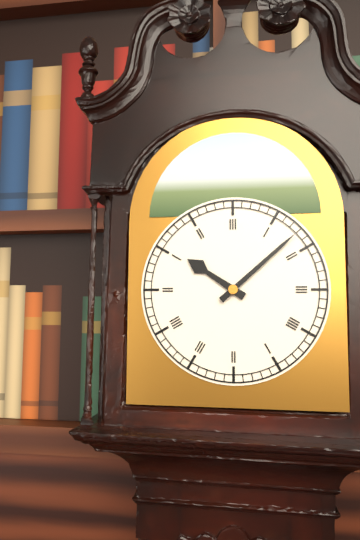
10:08
